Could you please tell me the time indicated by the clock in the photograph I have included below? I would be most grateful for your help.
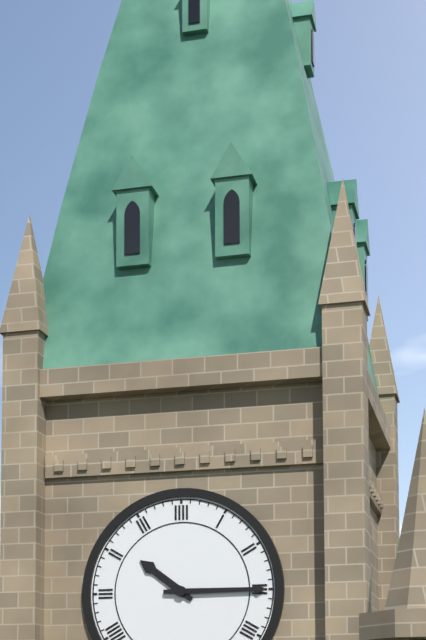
10:15
